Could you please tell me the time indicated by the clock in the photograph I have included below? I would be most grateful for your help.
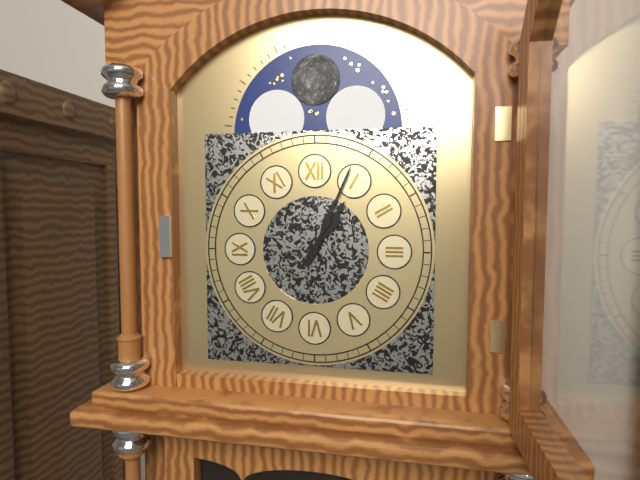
1:04
